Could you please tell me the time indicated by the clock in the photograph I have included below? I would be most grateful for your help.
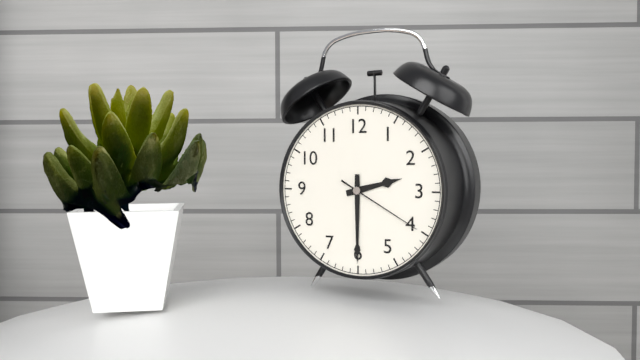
2:30:20
